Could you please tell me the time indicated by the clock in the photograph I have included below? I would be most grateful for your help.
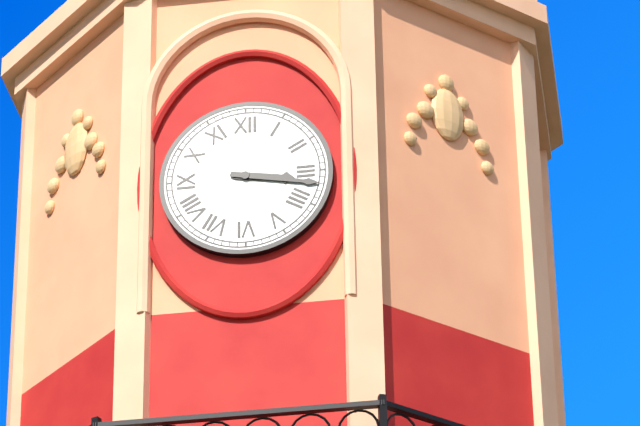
3:17
